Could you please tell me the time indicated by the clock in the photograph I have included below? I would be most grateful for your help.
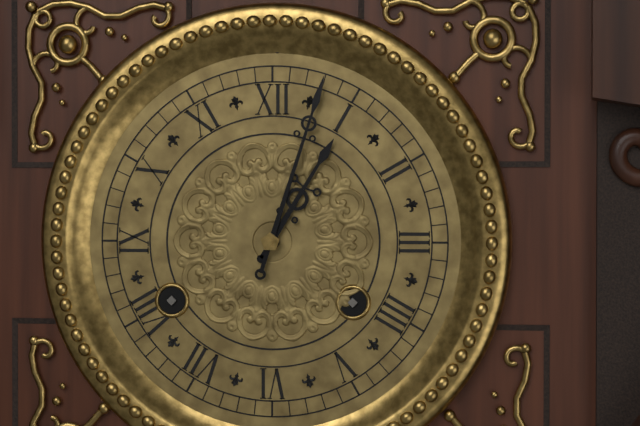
1:03
